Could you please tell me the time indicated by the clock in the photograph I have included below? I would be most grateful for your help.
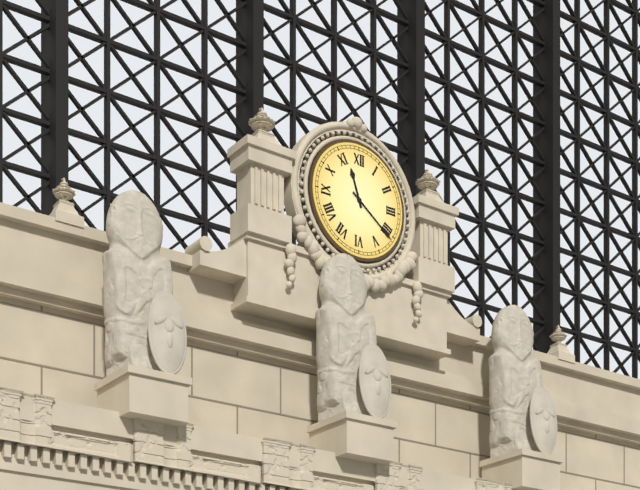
11:21
